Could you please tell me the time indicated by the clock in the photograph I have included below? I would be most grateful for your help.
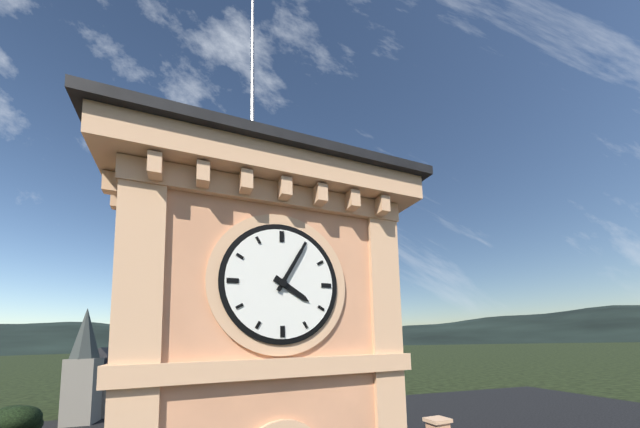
4:05
